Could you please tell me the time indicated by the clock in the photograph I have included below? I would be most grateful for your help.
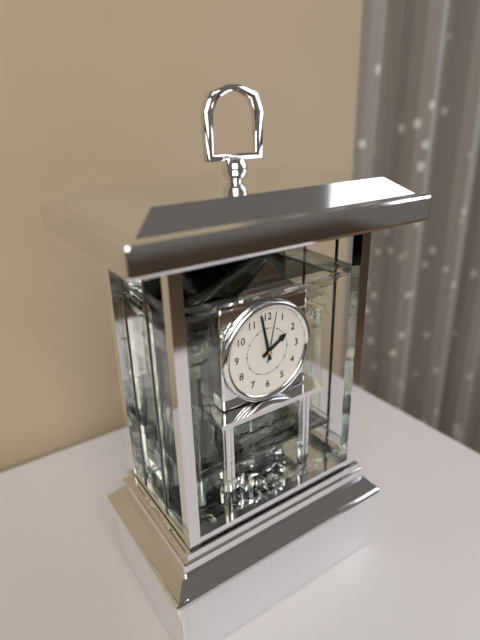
1:58:02
